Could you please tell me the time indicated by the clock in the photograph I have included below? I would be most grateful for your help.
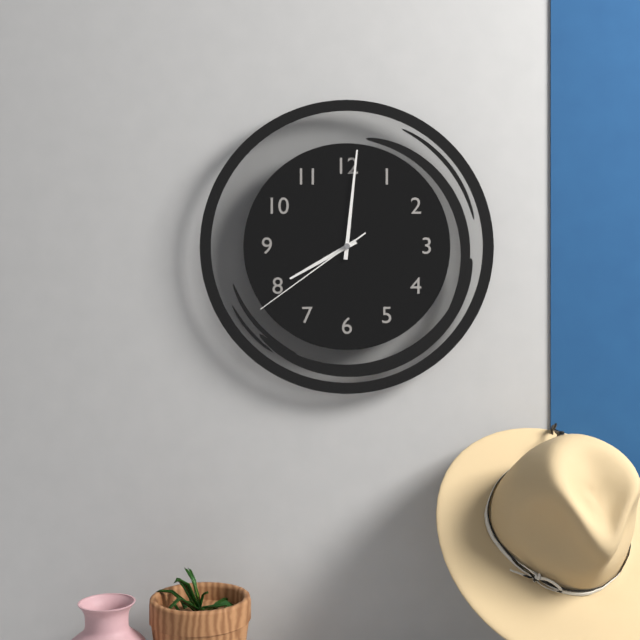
8:01:39
